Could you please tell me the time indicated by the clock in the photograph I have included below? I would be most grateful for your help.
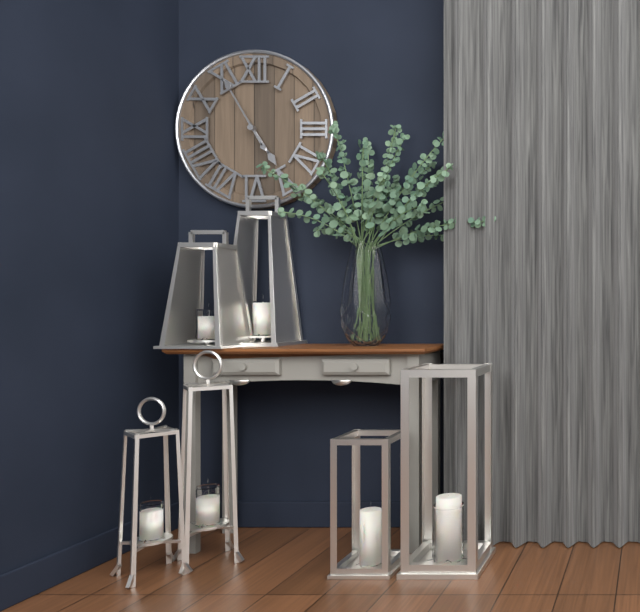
4:55
